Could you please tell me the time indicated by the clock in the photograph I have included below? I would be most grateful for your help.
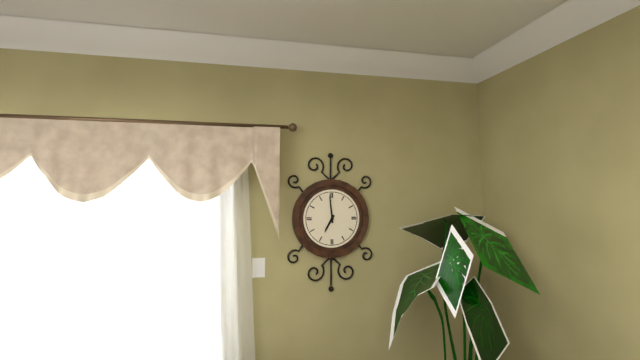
6:59
